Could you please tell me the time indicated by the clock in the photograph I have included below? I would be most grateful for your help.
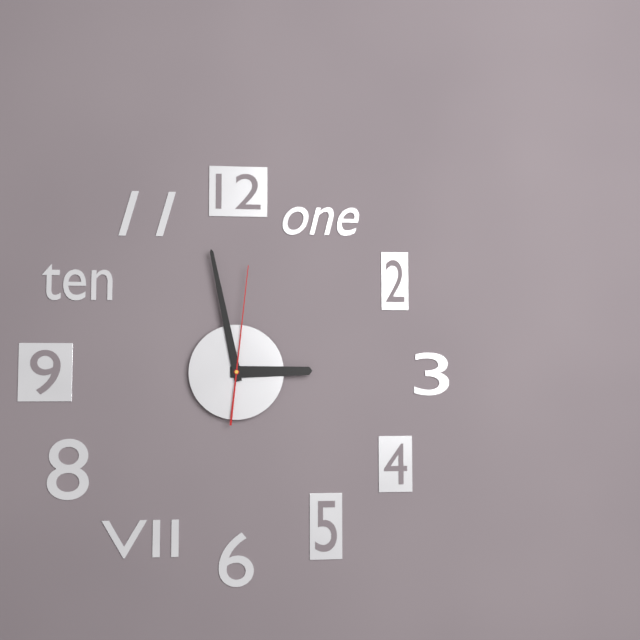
2:58:01
